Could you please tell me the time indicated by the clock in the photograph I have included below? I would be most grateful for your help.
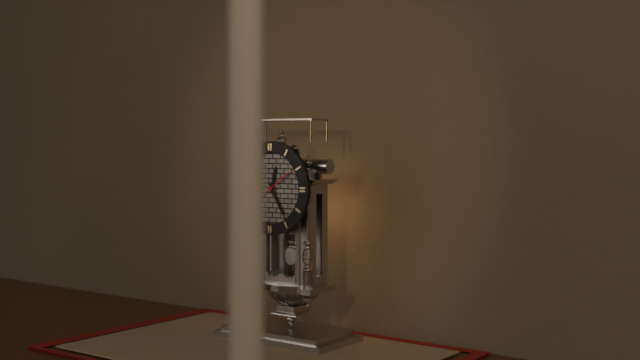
12:25
